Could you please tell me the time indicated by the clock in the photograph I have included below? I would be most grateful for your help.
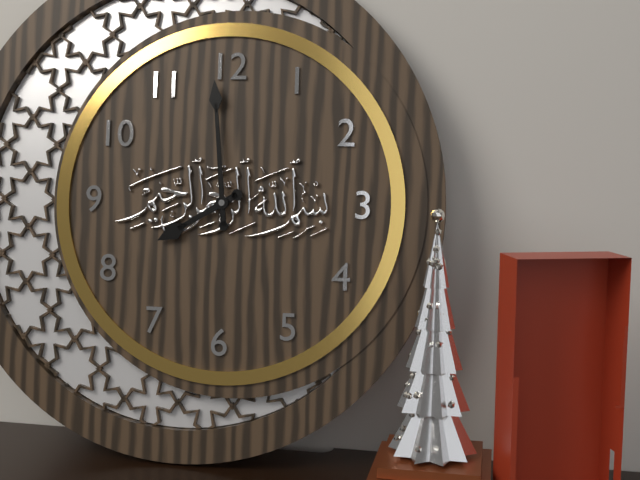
7:59
